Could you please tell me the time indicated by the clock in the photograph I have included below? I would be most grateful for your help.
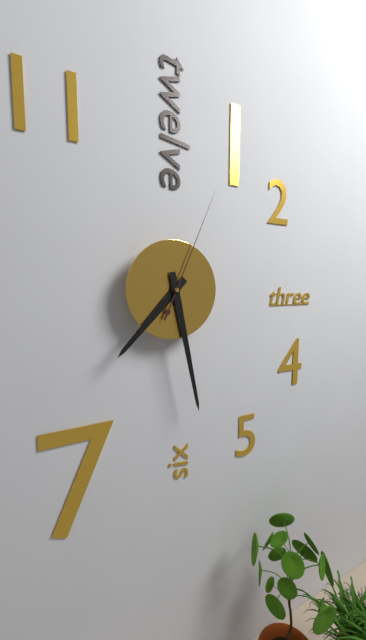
7:28:04
